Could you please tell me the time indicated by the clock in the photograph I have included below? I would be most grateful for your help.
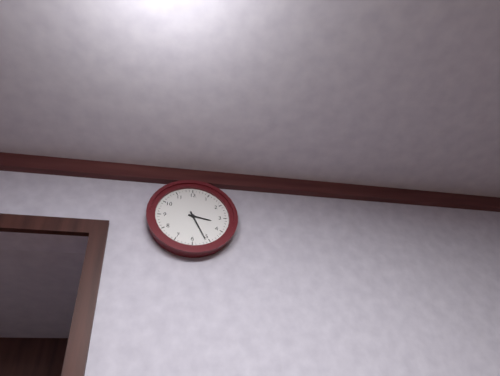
3:26
